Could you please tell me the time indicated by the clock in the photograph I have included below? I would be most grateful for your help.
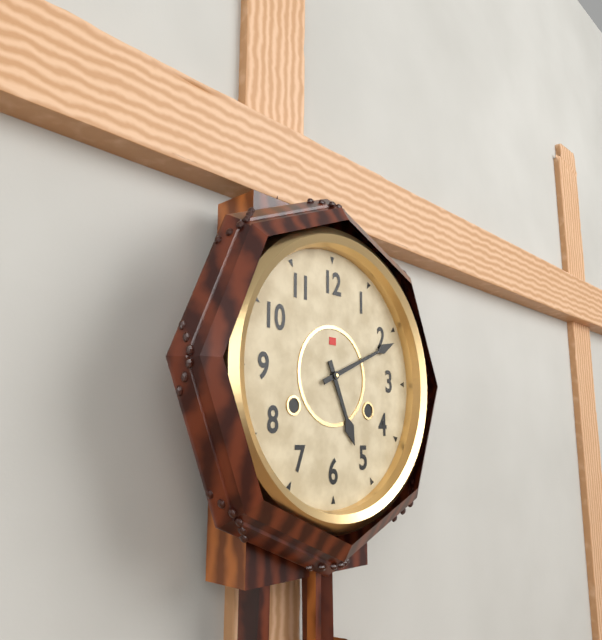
5:11
